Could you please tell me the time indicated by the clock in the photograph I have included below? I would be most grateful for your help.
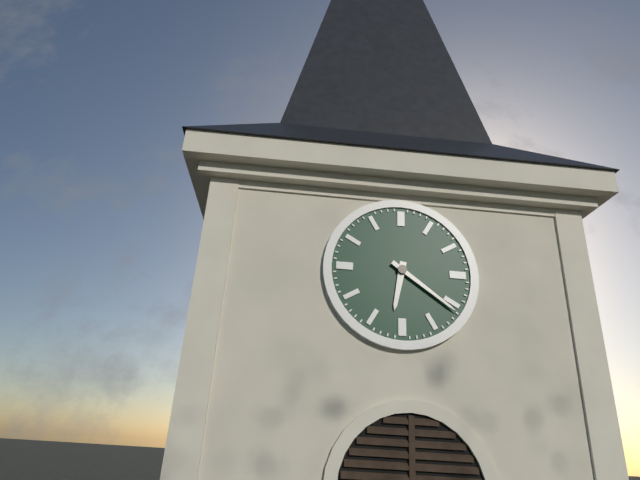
6:21
